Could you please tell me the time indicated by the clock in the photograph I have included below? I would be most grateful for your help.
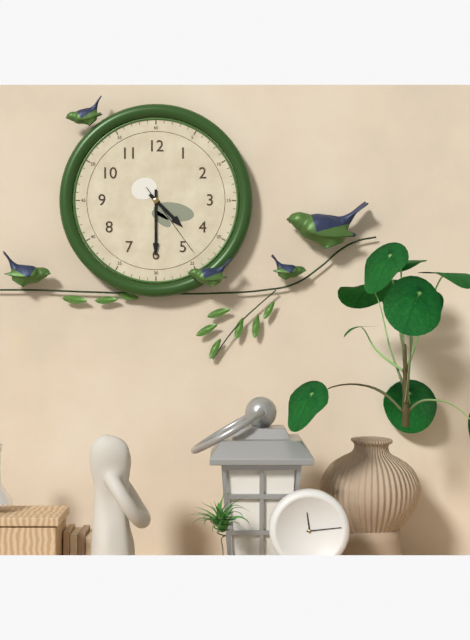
4:30:24
